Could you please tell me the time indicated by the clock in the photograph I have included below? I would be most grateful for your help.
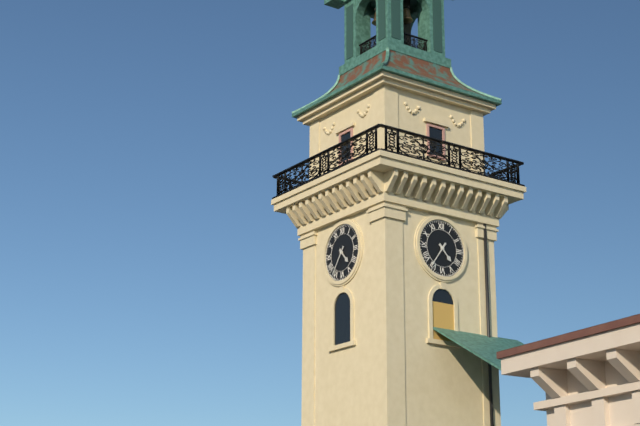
4:36
